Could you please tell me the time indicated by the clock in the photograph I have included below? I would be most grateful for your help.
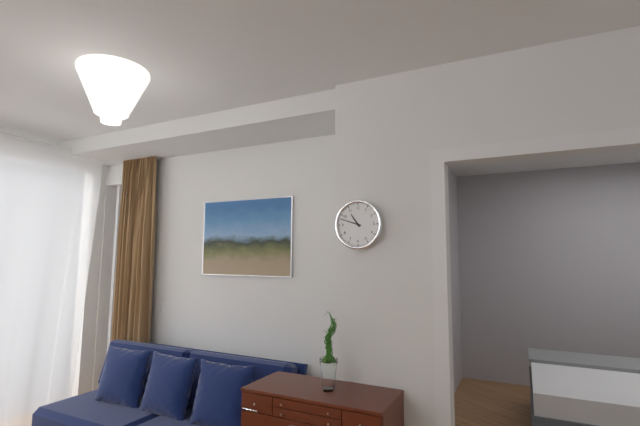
10:48
